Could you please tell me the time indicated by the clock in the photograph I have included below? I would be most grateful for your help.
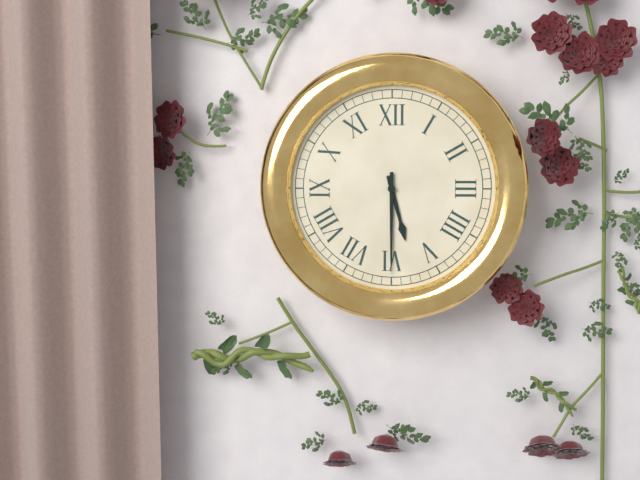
5:30
